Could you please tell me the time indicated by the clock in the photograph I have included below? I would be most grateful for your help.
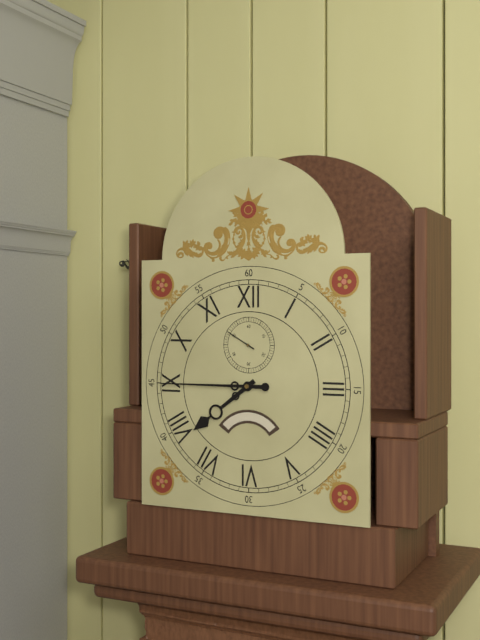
7:45
